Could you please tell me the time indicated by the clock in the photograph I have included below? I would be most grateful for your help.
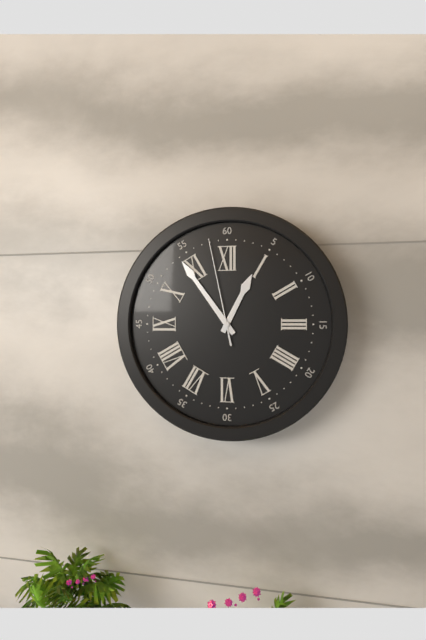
12:54:58
